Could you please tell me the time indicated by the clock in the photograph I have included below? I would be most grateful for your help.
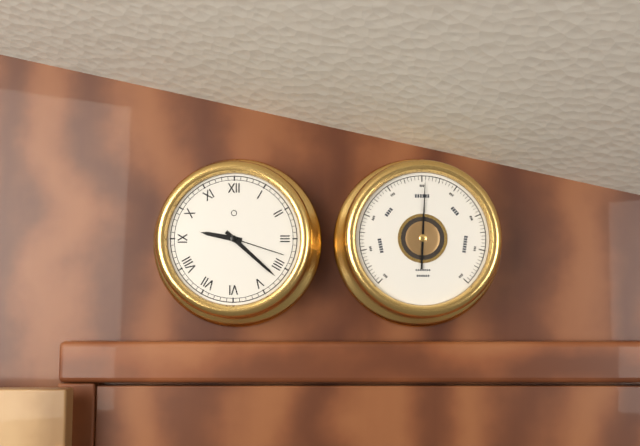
9:22:18
